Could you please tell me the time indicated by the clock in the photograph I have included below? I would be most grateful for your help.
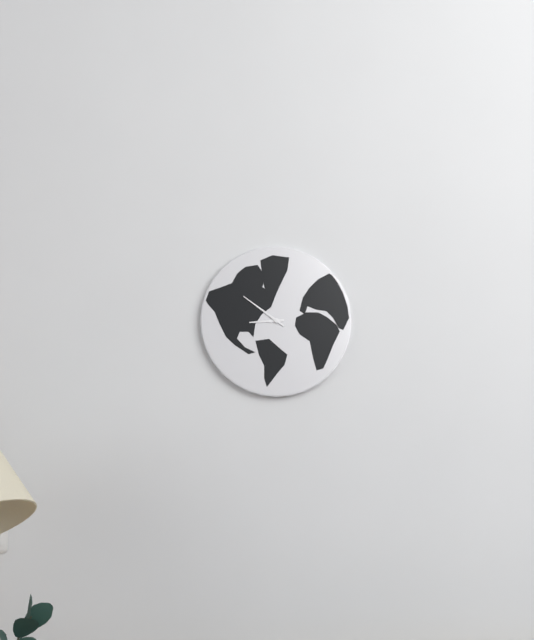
8:51
